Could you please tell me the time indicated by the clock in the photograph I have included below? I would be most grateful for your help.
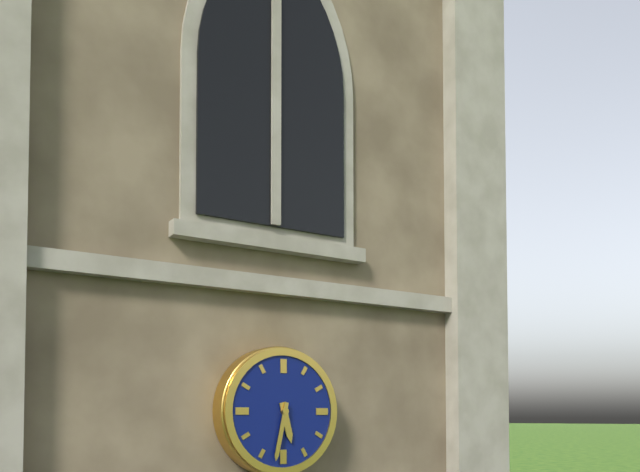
5:32
